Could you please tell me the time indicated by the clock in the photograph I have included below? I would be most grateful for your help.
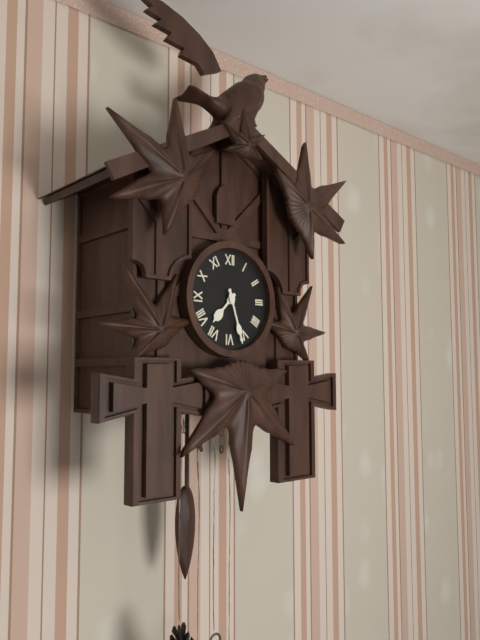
7:27
